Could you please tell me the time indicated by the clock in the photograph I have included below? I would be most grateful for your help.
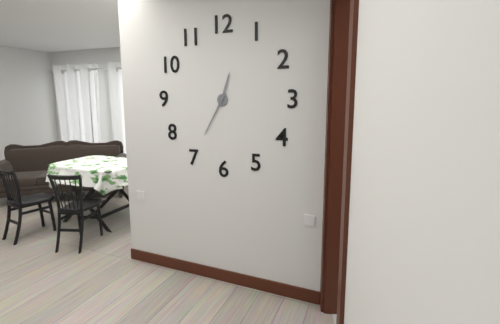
12:35
